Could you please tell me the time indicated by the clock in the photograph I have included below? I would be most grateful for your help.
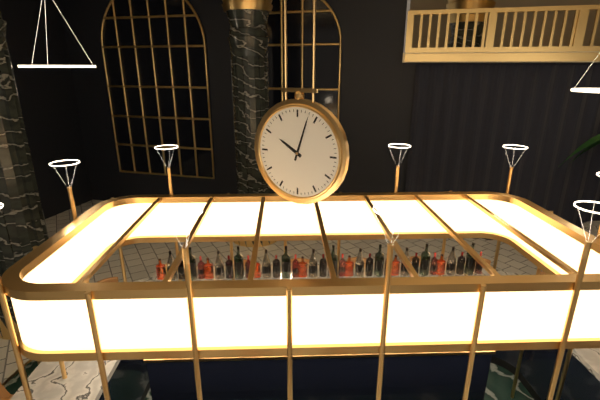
10:03
